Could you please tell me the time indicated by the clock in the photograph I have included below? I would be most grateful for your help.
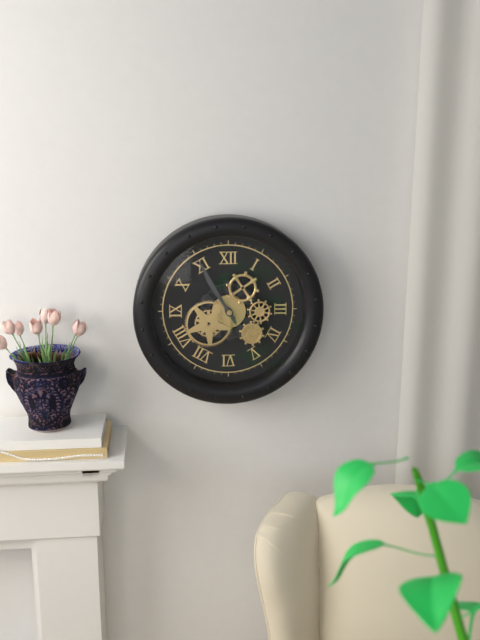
10:55
